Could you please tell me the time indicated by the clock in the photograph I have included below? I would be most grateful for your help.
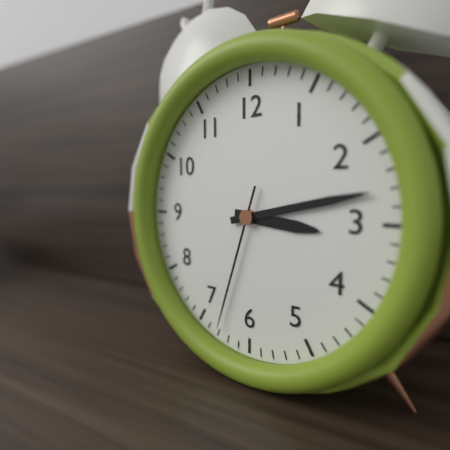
3:13:33
